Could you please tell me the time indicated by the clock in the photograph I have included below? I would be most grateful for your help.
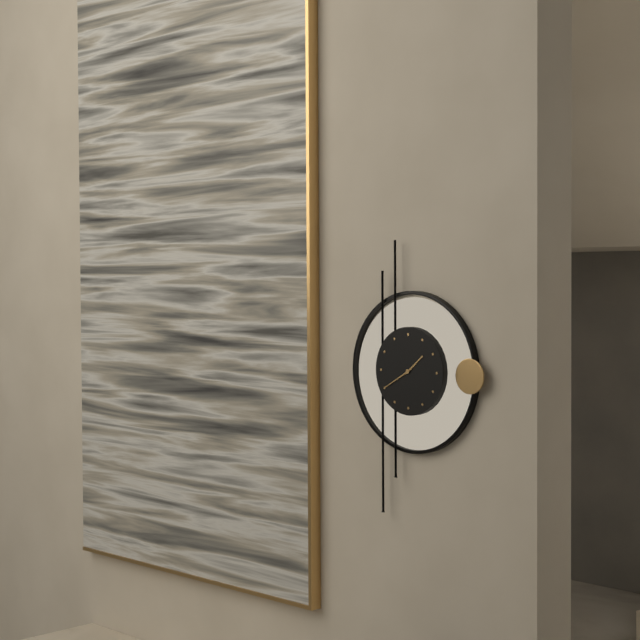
1:40
